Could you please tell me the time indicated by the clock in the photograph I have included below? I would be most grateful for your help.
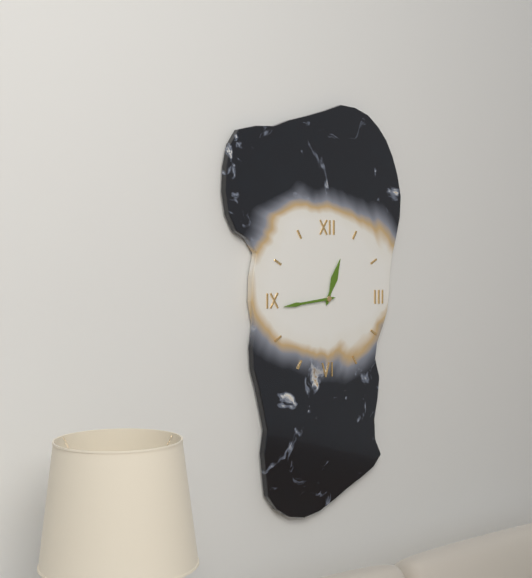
12:44
